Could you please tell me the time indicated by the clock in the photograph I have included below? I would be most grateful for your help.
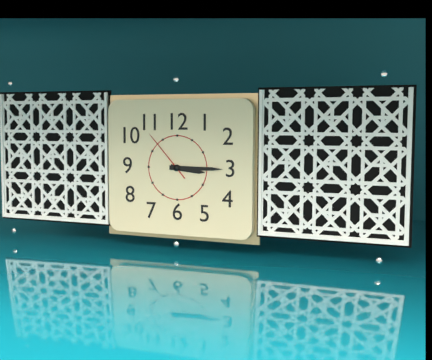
3:15:53
